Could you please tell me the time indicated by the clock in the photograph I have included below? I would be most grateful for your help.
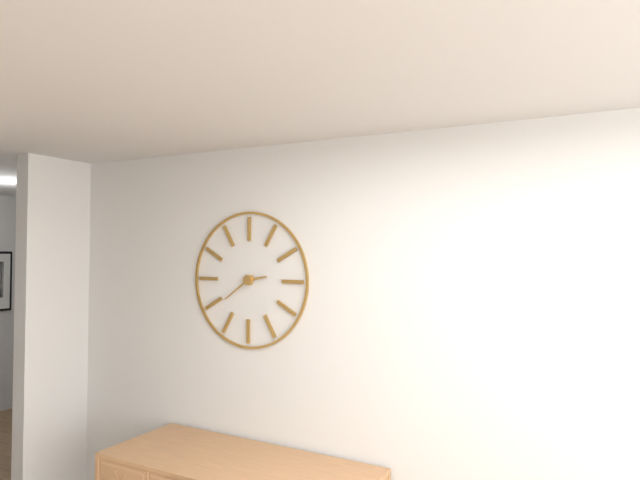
2:39
